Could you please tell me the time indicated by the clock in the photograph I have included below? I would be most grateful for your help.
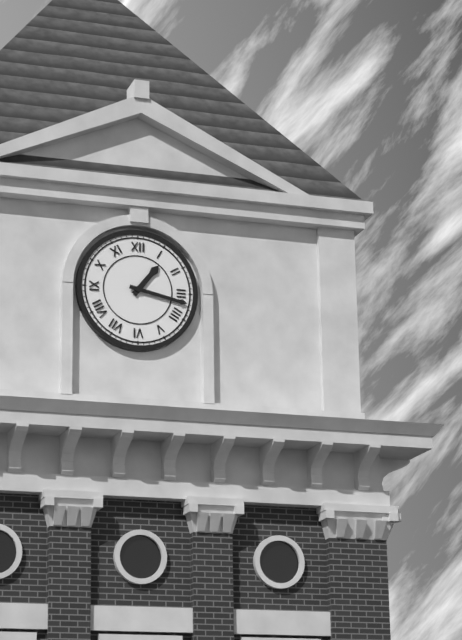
1:17
